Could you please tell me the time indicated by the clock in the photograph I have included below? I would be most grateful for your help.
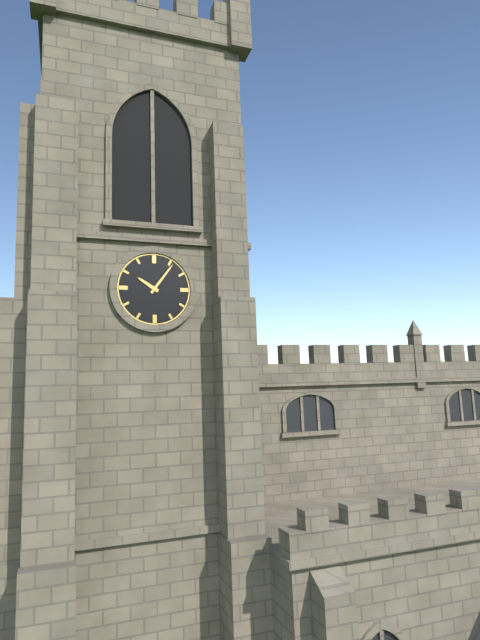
10:06
